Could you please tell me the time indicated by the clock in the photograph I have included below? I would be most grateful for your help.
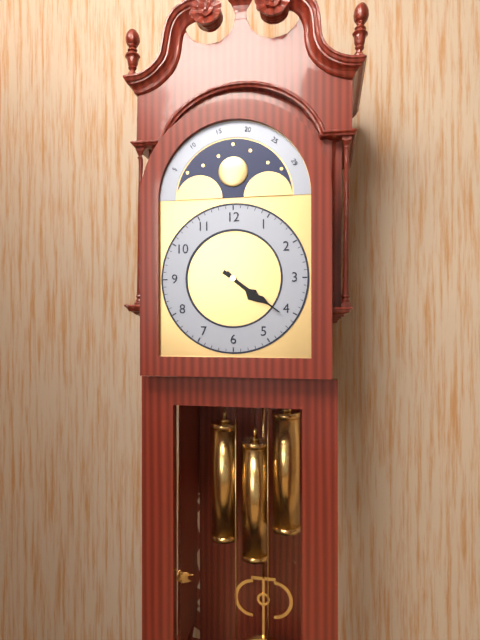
4:21
